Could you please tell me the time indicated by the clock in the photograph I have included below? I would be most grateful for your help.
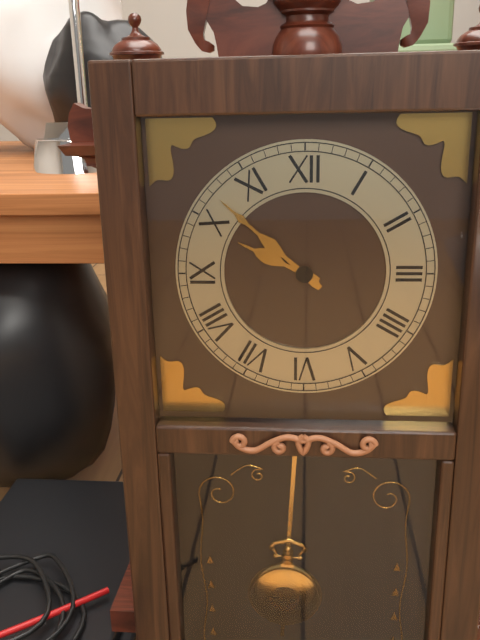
9:52
